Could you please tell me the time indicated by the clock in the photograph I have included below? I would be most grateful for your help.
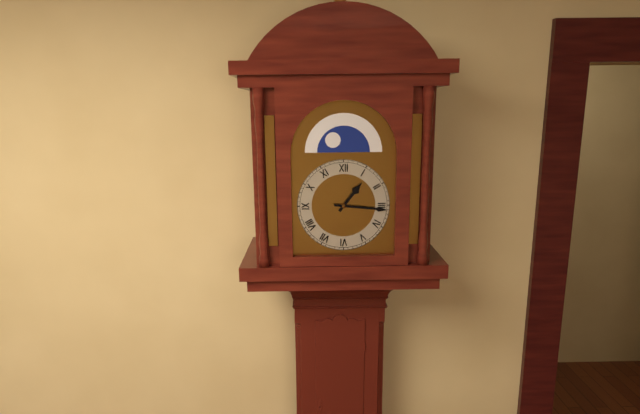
1:16
